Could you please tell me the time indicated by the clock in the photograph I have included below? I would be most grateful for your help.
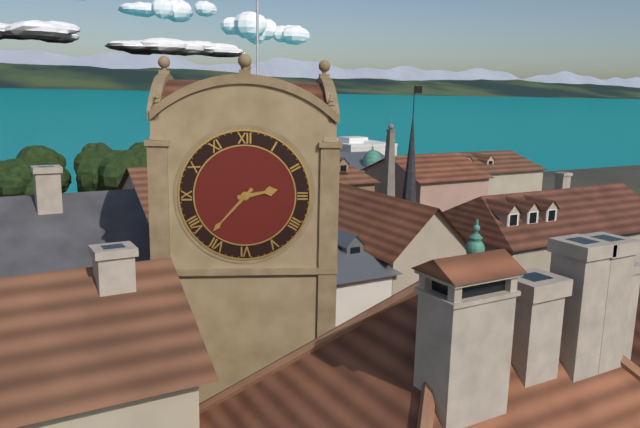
2:37
